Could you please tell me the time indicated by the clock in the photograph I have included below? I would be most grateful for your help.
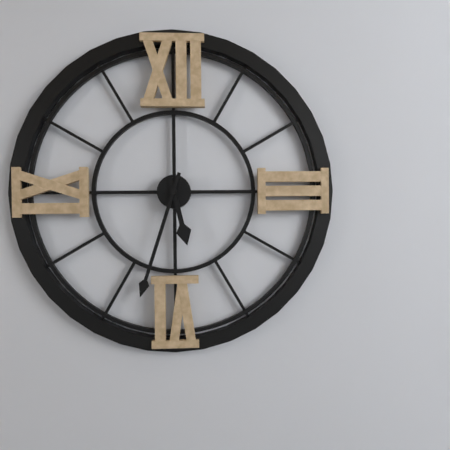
5:33
